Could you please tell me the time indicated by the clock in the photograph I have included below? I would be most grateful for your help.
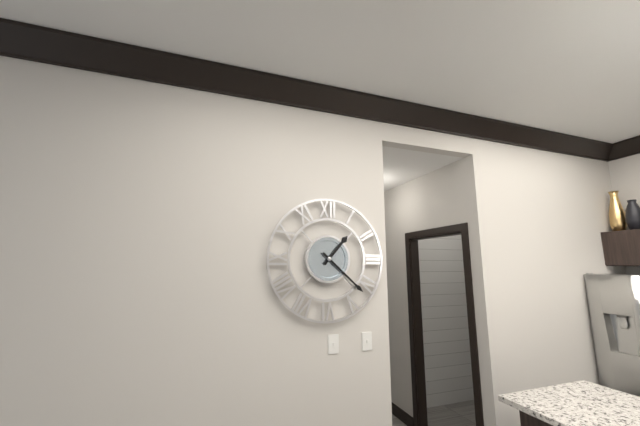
1:22
